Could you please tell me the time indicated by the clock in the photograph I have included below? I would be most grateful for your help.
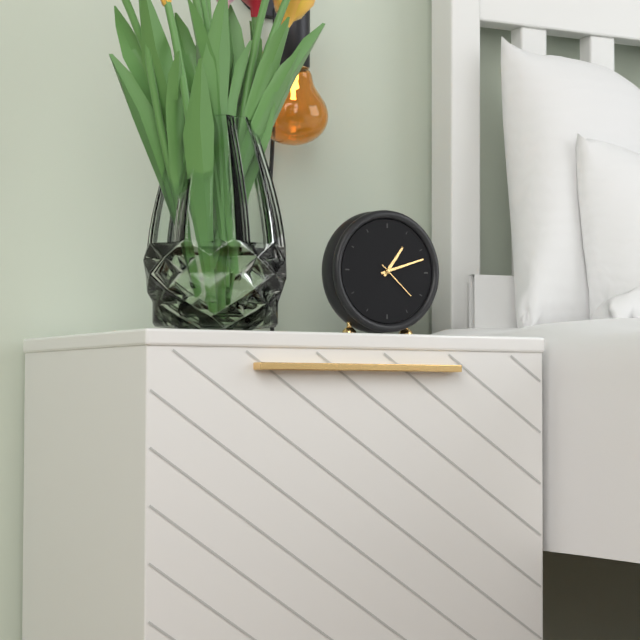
1:12
